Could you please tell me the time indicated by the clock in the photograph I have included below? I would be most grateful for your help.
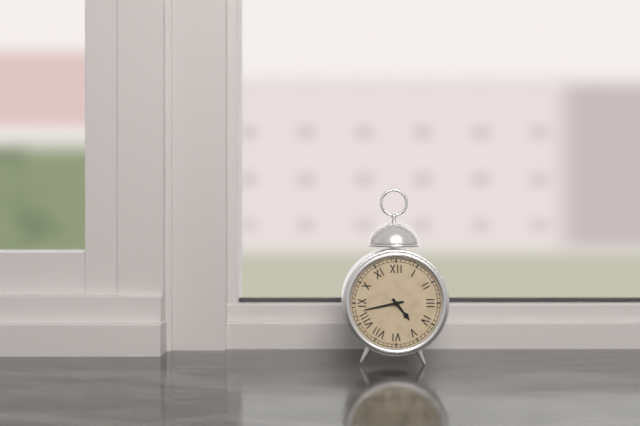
4:43
